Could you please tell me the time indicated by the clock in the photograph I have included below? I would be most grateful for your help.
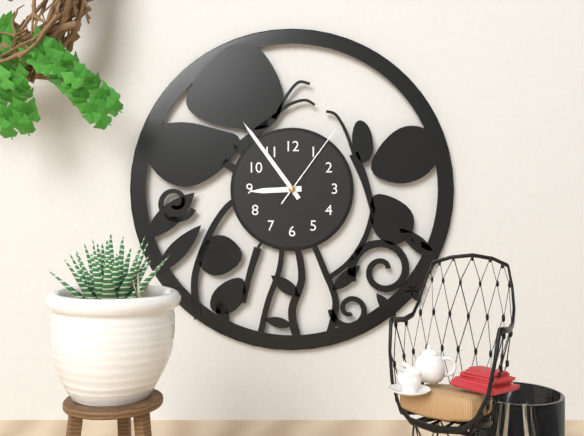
8:54:06
